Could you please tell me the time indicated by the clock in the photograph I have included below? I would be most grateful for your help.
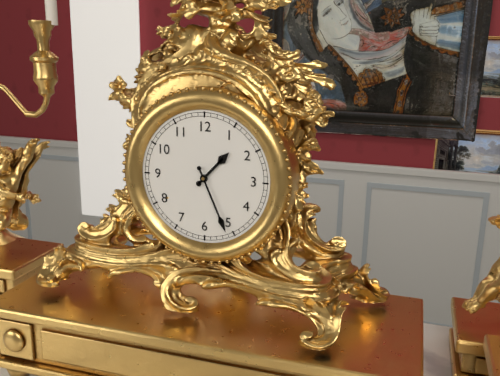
1:26
